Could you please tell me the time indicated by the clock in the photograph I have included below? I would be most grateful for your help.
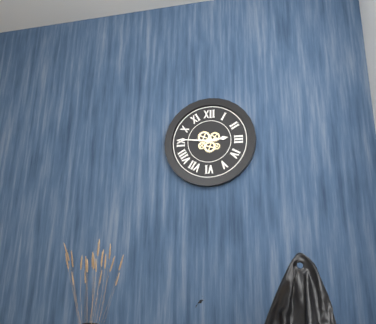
2:46
